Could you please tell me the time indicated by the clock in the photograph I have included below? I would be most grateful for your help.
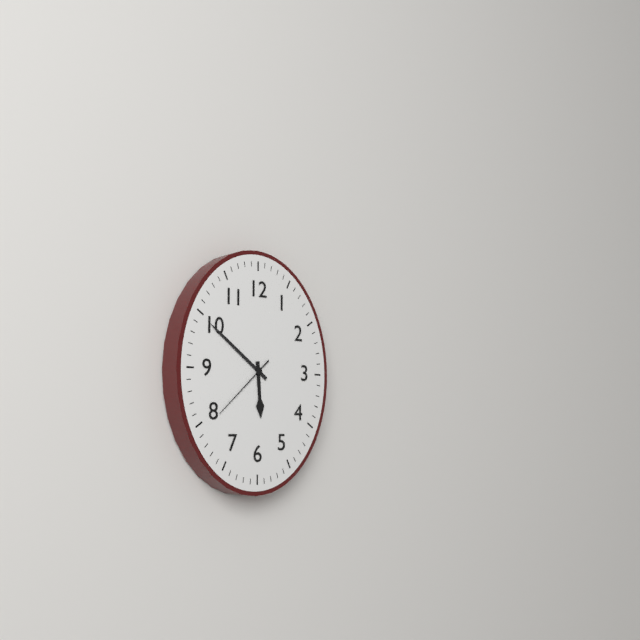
5:51:38
